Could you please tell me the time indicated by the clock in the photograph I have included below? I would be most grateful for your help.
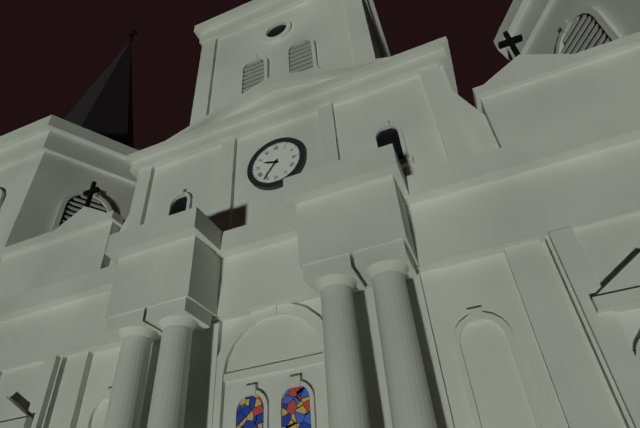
9:36
